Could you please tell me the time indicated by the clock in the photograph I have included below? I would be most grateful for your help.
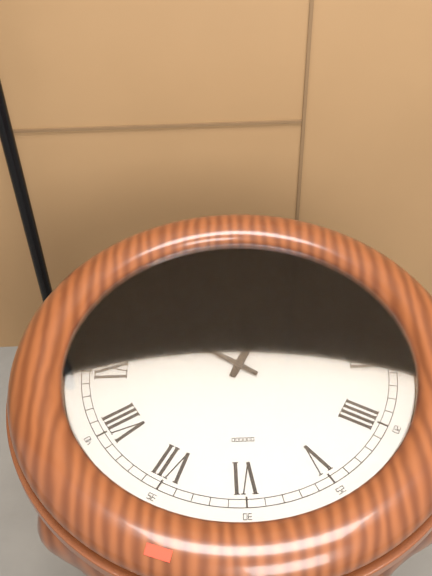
12:51
